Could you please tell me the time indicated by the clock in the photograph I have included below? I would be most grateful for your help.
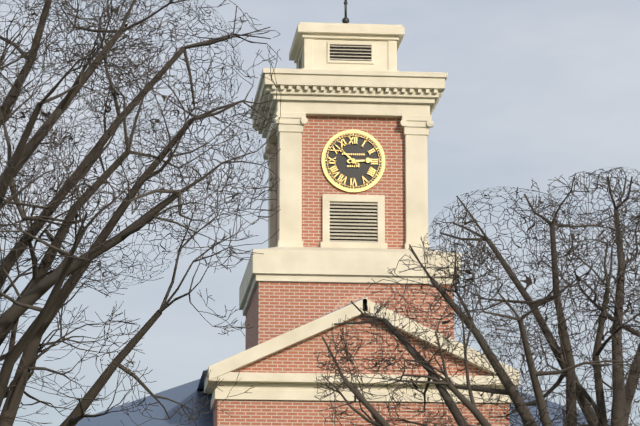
2:52
